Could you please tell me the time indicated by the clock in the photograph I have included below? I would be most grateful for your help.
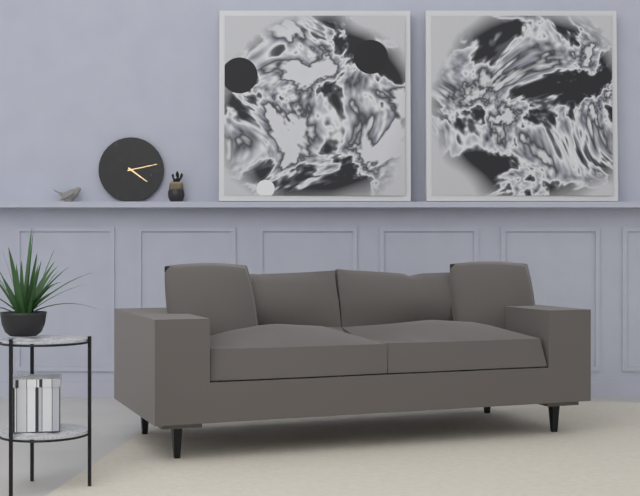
4:13
